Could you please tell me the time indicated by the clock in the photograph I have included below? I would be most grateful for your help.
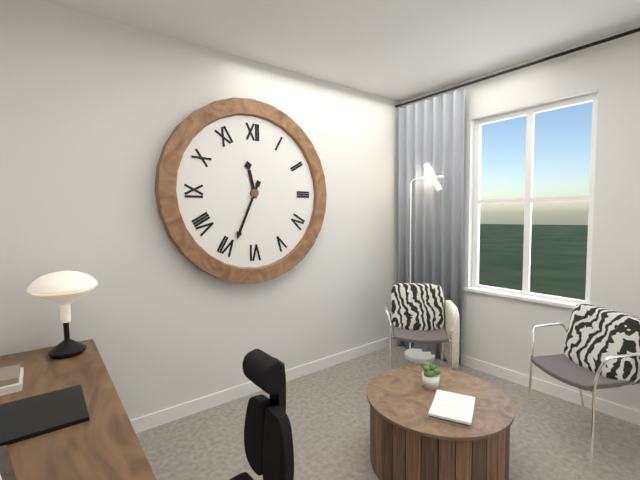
11:34
